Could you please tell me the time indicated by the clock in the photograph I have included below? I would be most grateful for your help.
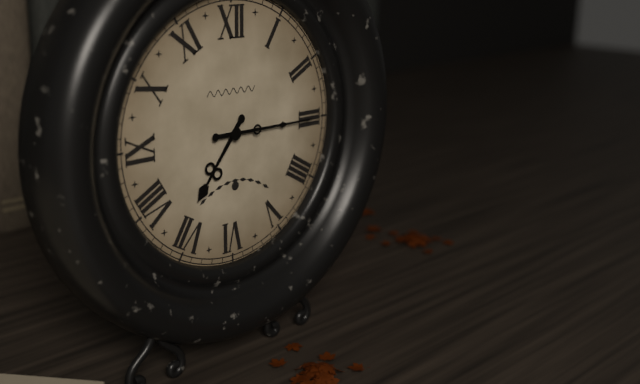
7:15
